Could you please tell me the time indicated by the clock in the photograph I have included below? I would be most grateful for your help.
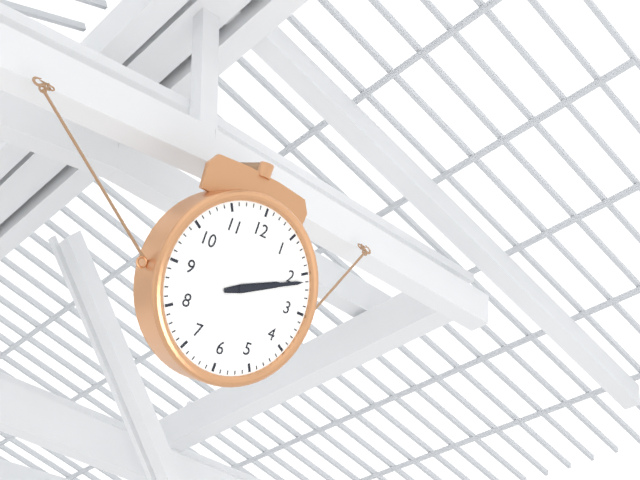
2:11
